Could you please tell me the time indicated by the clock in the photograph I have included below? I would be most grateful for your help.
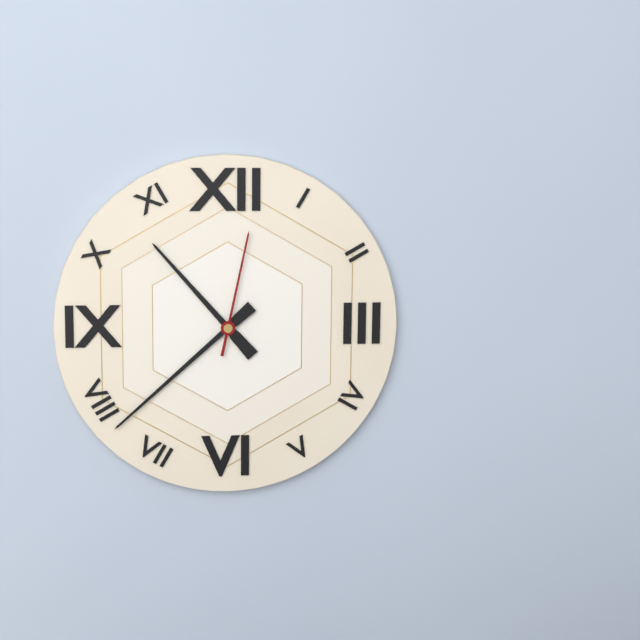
10:38:02
